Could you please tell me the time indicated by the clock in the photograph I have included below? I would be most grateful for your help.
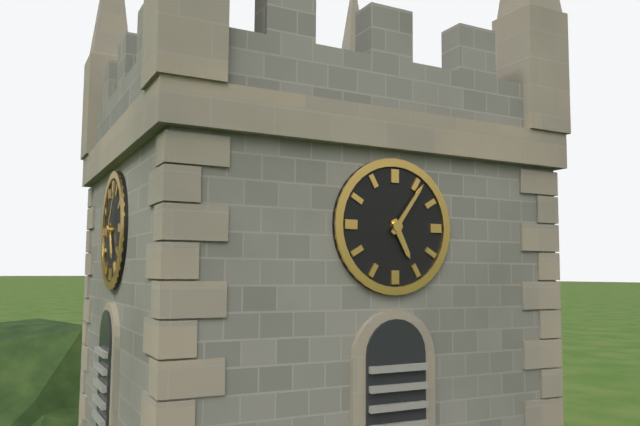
5:06
